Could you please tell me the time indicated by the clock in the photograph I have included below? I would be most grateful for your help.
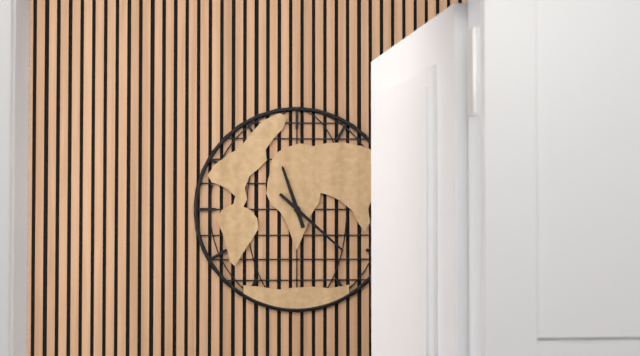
11:22
